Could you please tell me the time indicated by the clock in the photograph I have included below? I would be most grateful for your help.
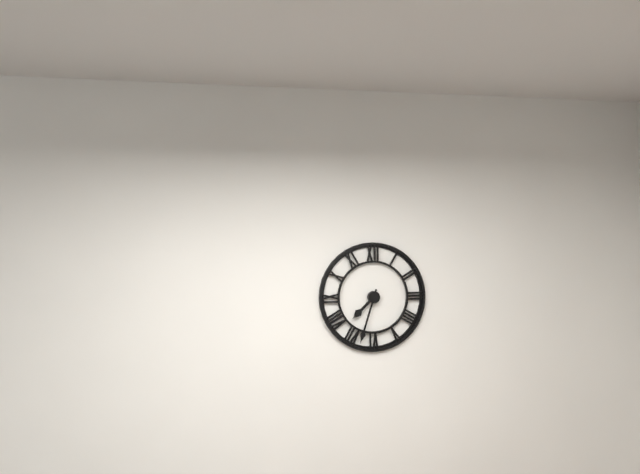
7:33
